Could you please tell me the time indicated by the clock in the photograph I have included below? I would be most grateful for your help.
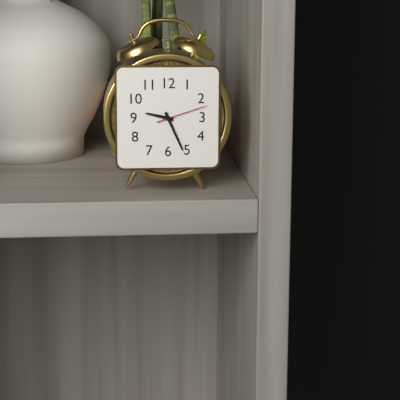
9:26:12
